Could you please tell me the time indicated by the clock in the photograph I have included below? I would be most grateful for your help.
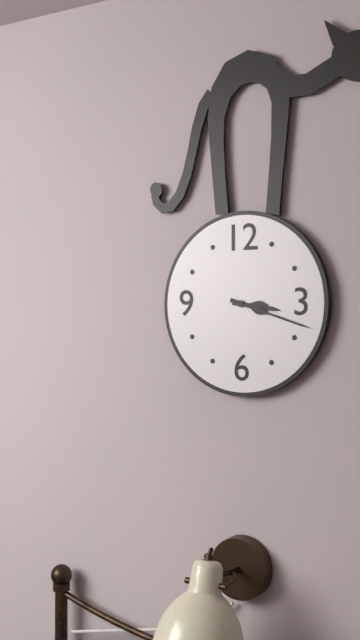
3:18
